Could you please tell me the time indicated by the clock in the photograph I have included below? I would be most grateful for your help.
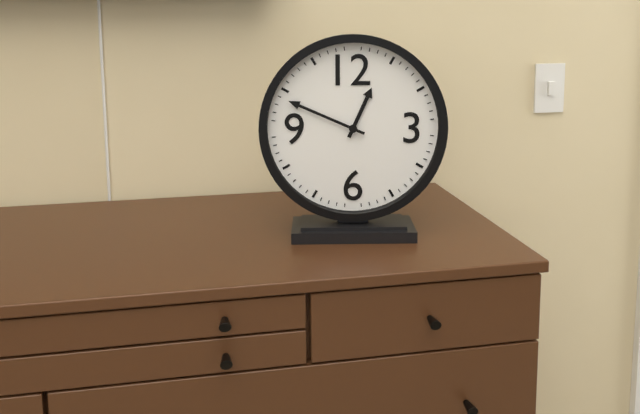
12:49
